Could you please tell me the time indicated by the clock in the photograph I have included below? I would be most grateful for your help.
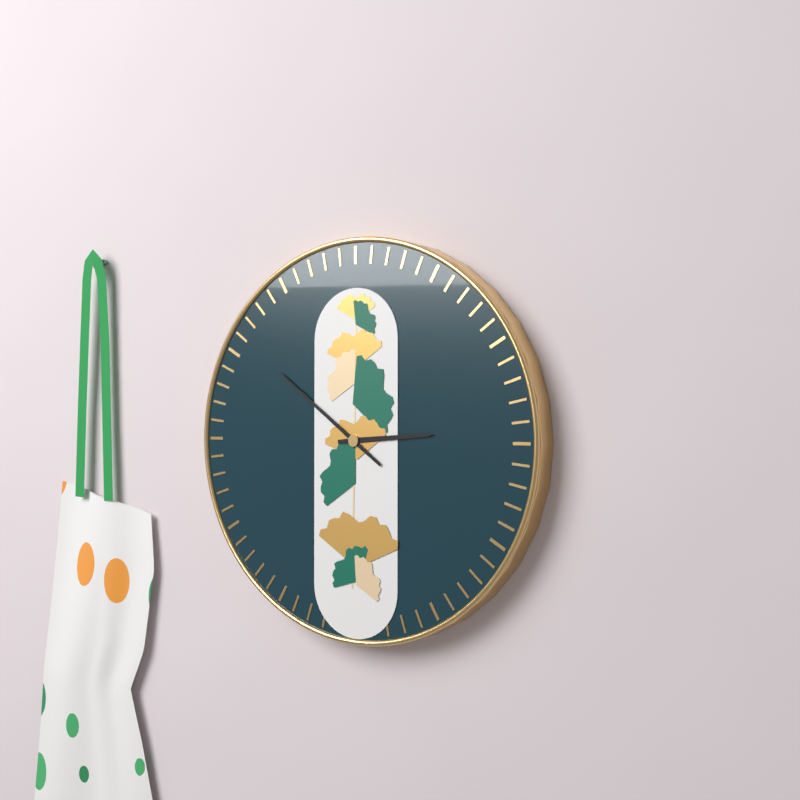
2:51
